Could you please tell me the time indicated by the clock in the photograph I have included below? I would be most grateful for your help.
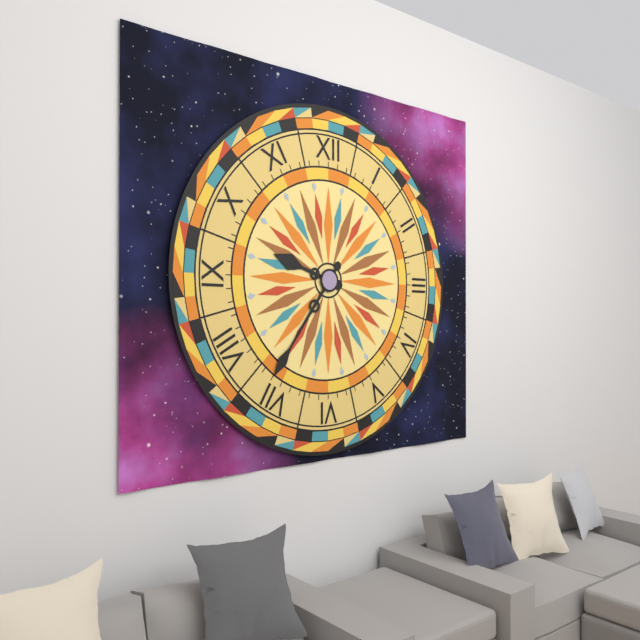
9:36
